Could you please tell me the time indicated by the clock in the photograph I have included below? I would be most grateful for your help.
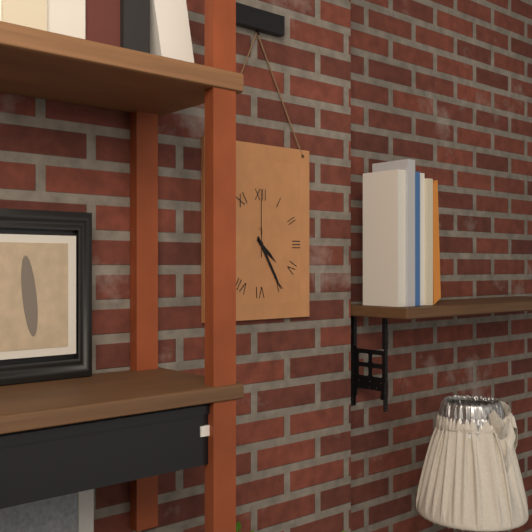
4:25:00
